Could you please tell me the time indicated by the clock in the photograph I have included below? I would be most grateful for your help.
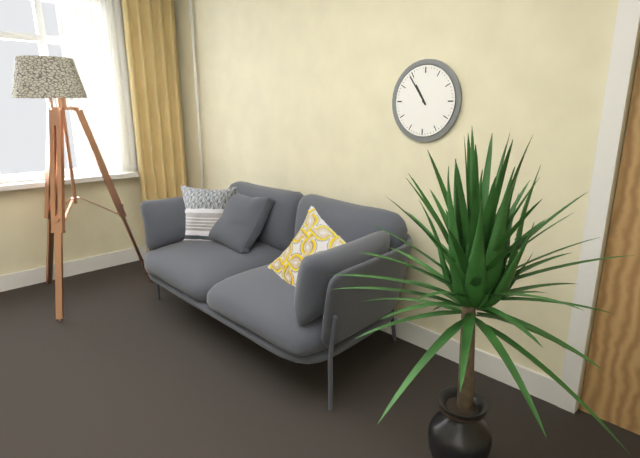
10:54
